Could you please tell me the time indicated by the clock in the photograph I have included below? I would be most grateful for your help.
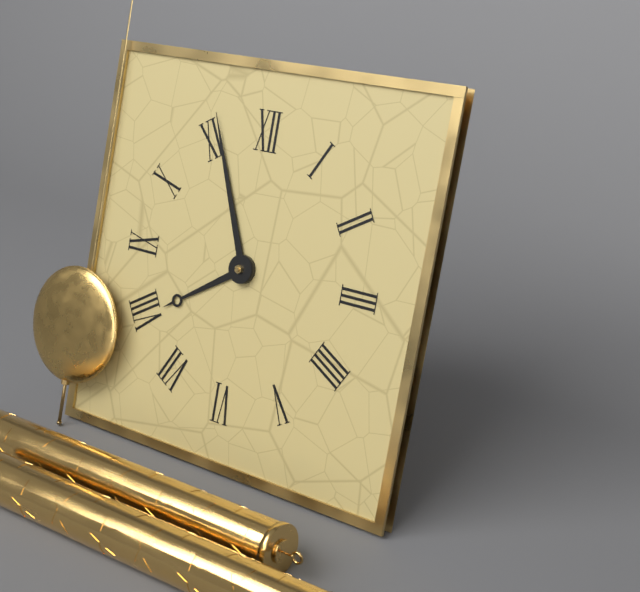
7:56
